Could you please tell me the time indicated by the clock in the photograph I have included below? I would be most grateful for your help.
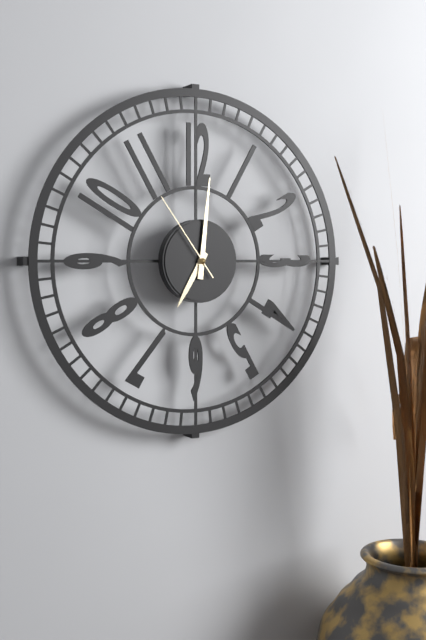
7:01:54
